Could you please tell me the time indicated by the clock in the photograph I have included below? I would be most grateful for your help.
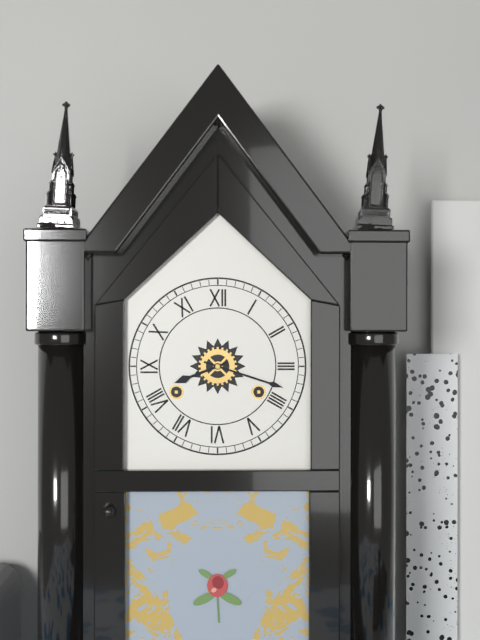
8:18
